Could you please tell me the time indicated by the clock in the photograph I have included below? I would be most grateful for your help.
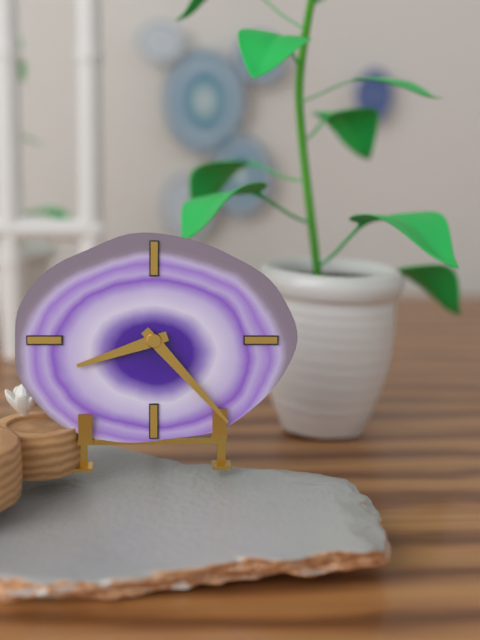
8:23
